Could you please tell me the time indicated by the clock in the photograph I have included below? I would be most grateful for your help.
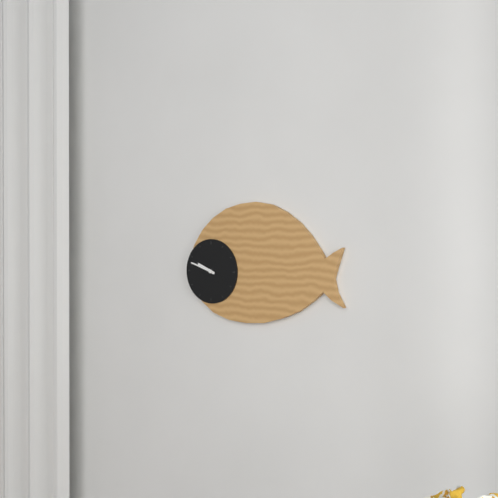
9:48
